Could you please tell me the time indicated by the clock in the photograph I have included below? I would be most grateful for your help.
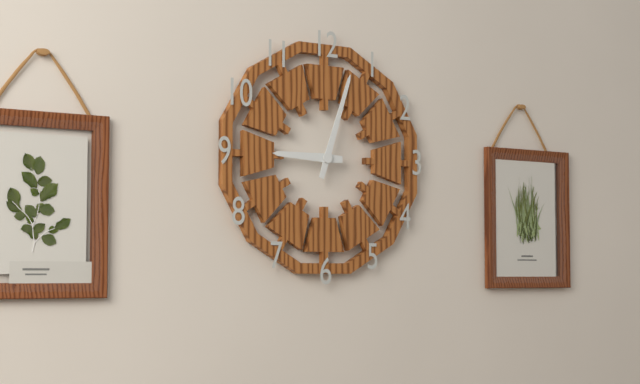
9:03
